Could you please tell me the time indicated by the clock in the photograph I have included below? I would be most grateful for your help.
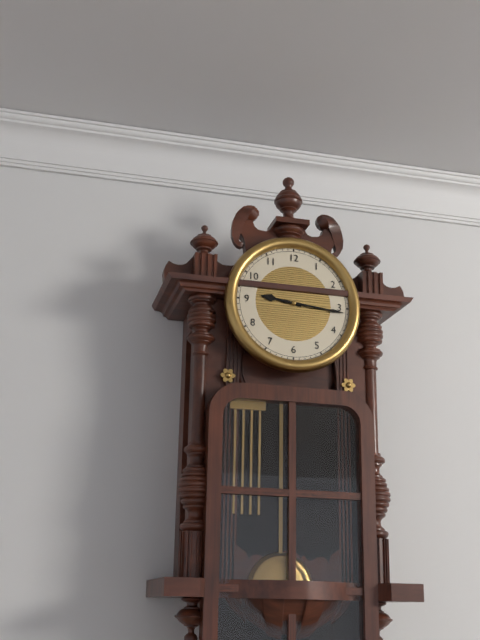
9:16
